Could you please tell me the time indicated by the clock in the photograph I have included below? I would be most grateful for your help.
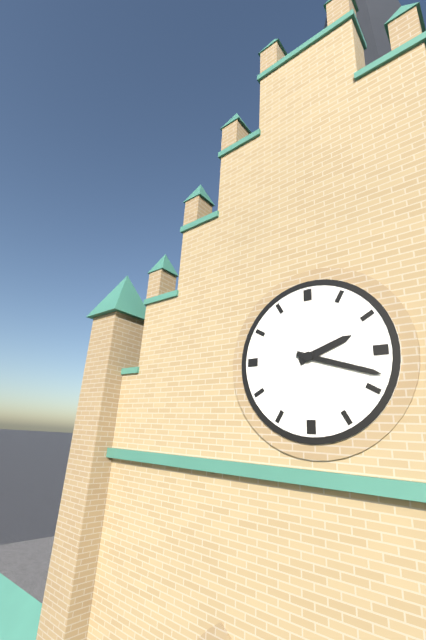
2:18
